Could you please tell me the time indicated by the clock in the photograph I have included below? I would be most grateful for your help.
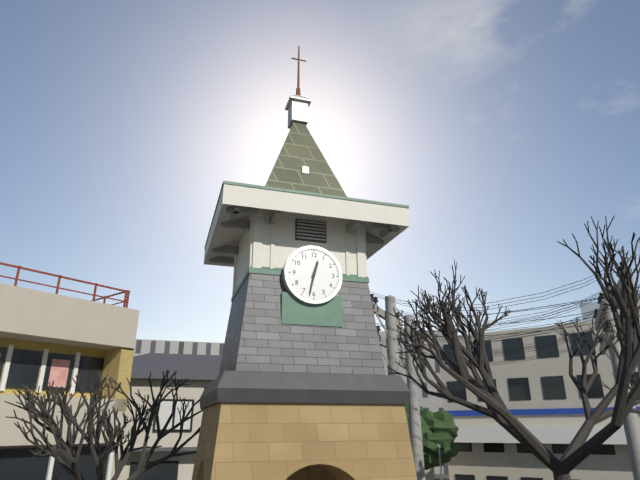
12:32
